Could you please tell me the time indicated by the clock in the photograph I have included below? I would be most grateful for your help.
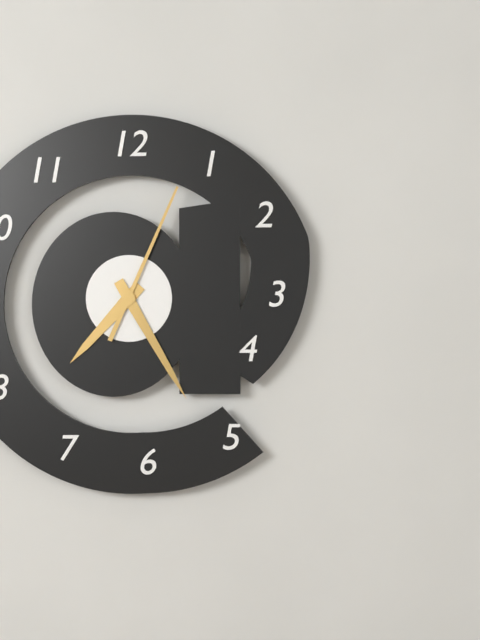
7:25:04
